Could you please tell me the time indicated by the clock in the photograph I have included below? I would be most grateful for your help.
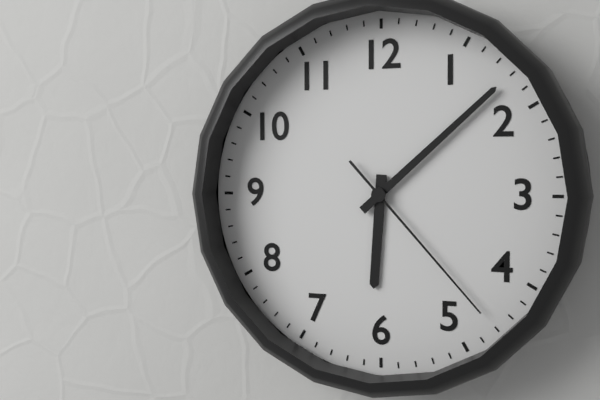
6:08:23
